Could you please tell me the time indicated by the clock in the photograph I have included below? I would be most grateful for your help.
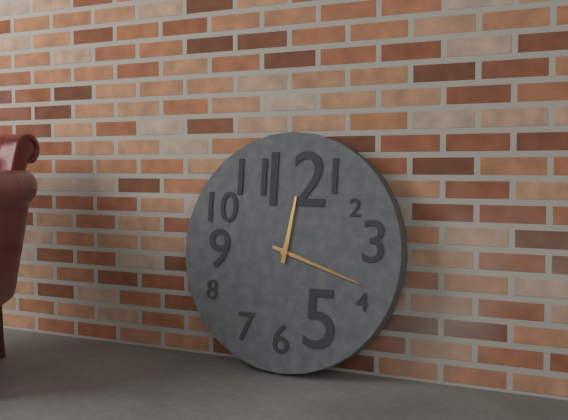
12:18
